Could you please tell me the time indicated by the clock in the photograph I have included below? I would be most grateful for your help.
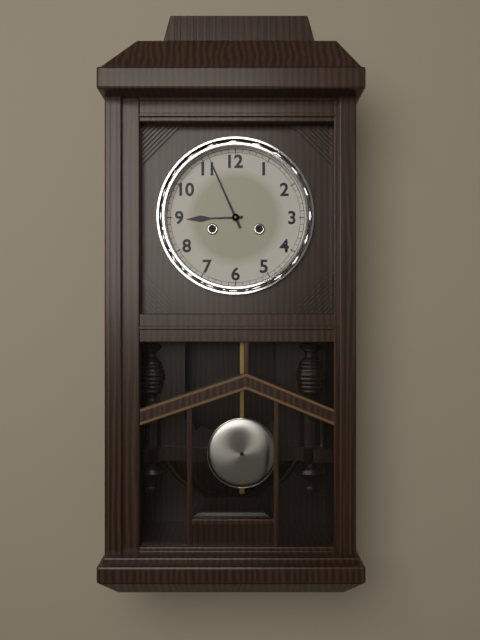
8:56
